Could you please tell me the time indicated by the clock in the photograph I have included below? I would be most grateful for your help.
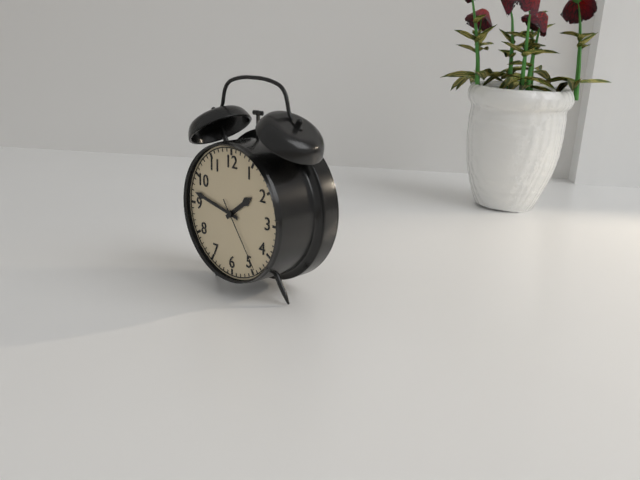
1:47:24
